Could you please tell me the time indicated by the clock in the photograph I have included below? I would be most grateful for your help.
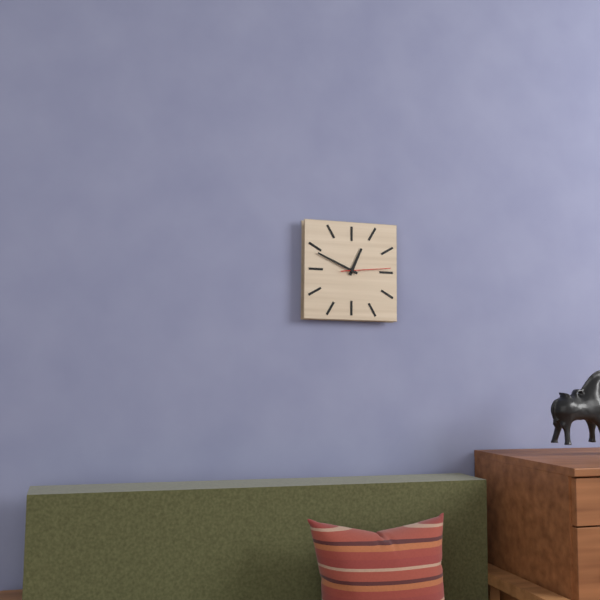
12:49
